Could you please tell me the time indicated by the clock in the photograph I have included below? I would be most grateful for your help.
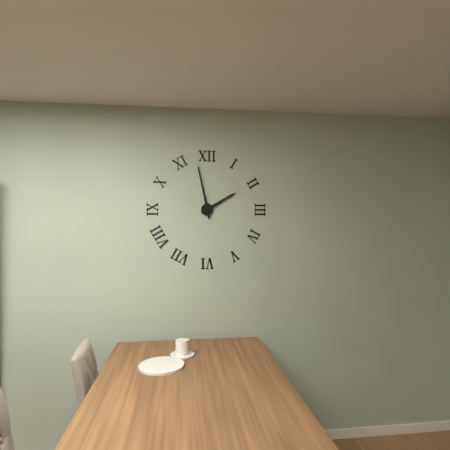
1:58
